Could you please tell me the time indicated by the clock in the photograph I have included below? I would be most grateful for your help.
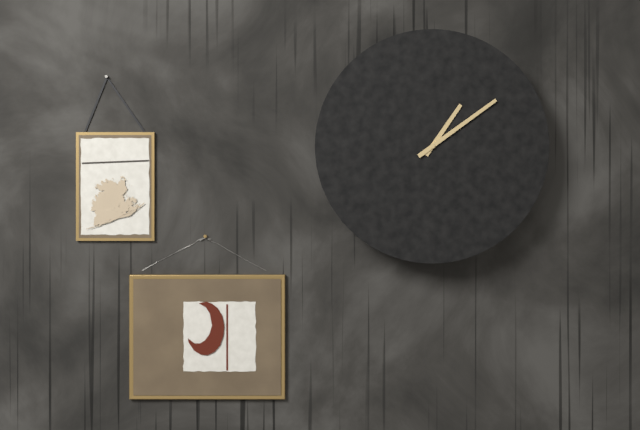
1:09
